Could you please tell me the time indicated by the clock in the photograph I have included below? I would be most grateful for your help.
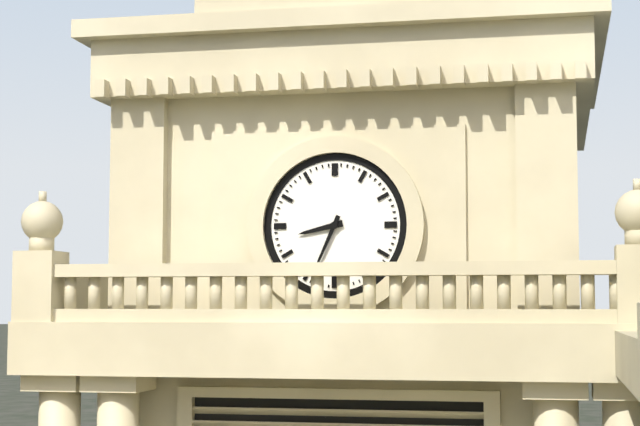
8:34
